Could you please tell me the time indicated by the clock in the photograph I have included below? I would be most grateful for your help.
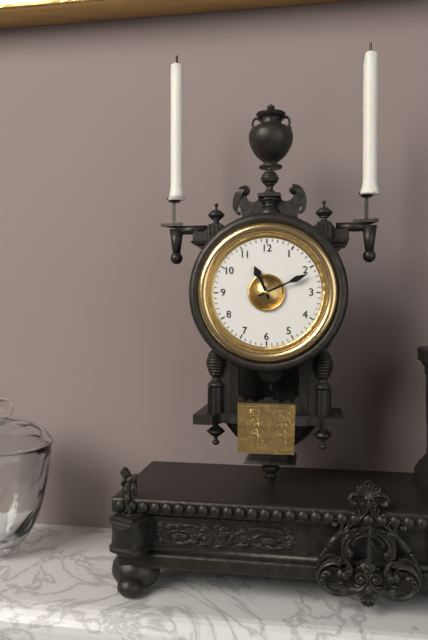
11:11
